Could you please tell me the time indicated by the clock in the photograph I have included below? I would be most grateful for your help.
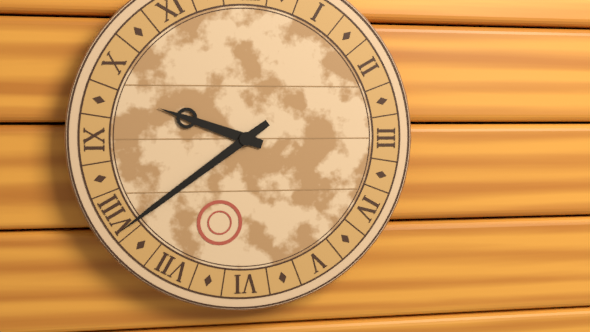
9:39
